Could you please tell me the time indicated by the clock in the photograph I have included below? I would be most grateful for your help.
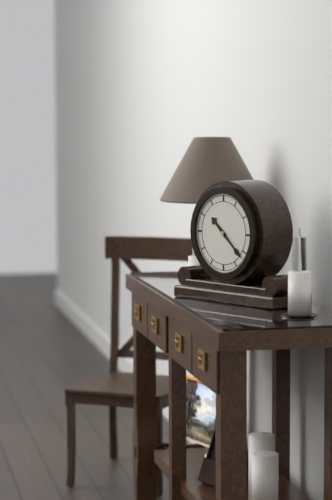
10:22
